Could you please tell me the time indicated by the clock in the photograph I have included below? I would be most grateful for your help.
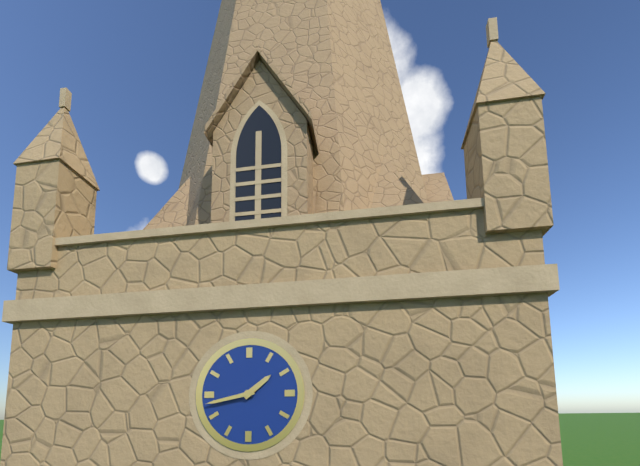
1:43
